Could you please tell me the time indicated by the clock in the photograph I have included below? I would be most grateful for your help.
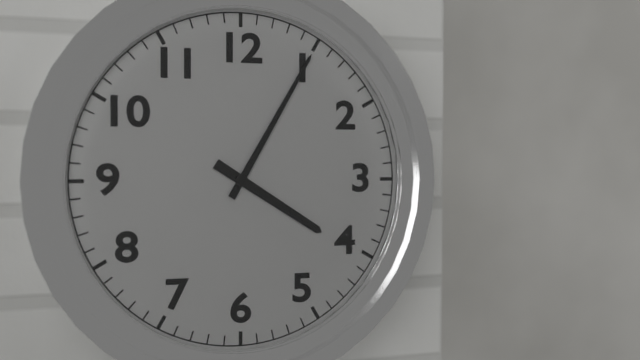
4:05
